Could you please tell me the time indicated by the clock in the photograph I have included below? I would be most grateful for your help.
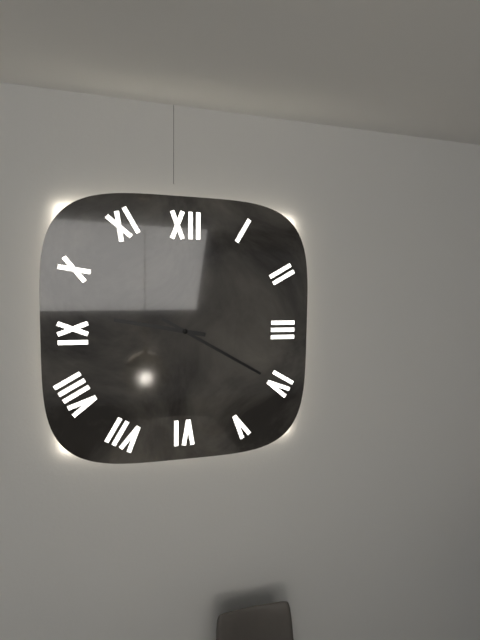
9:20
